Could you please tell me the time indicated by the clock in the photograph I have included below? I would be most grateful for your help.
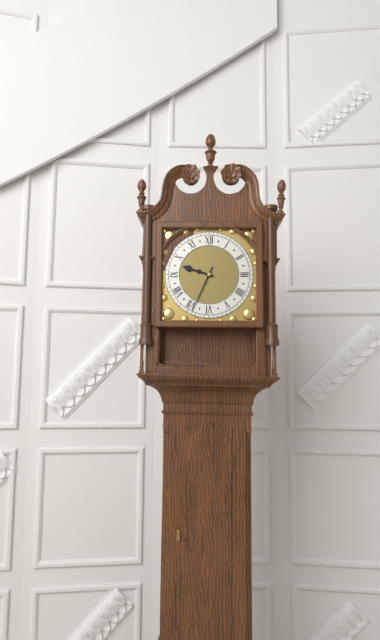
9:34
